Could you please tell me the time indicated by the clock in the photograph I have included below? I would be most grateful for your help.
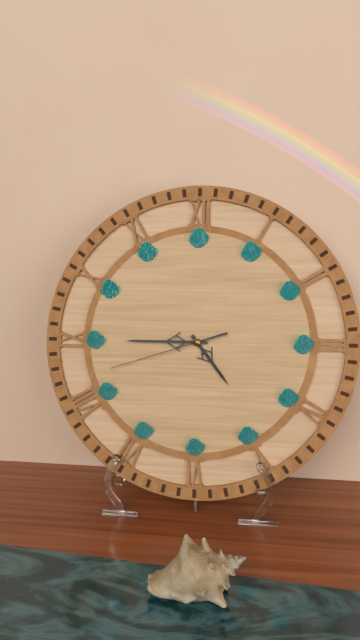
4:45:42
